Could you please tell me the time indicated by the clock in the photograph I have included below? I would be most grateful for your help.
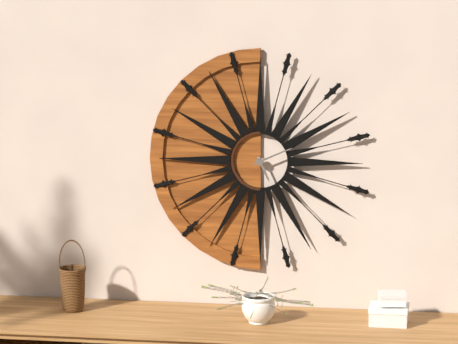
5:11
